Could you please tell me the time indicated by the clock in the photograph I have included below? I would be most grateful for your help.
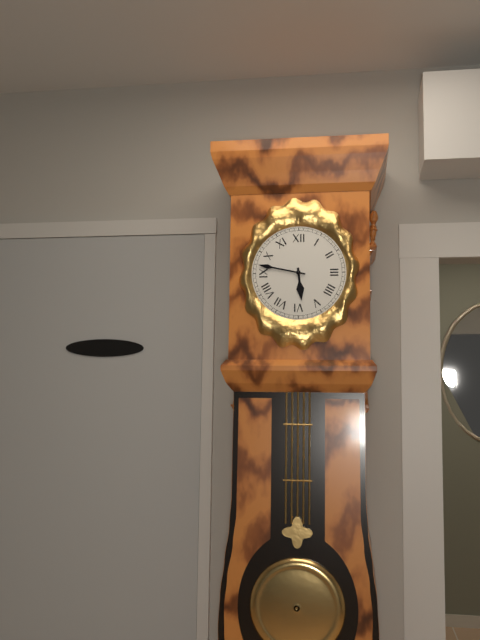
5:47
